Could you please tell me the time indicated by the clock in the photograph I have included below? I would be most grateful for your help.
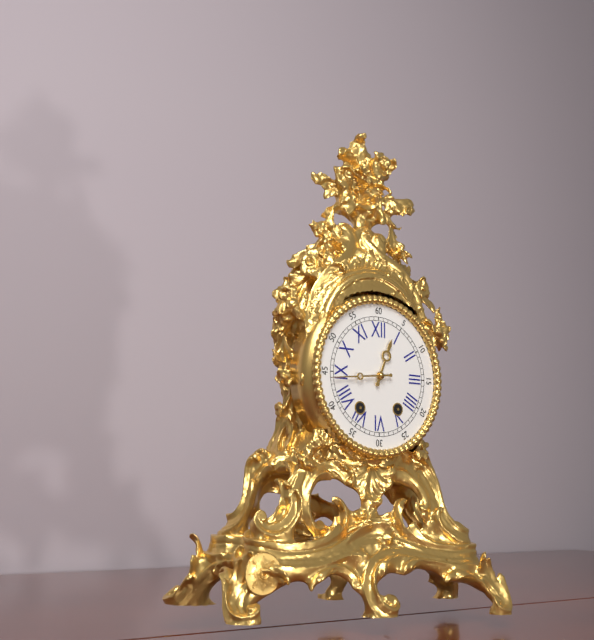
12:44
